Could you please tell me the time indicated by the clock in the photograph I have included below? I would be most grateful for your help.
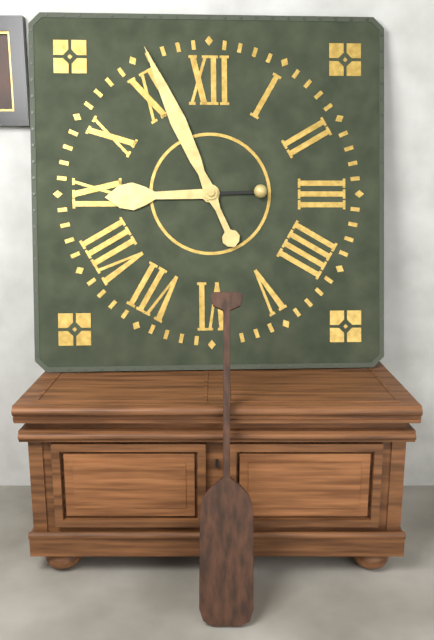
8:56
